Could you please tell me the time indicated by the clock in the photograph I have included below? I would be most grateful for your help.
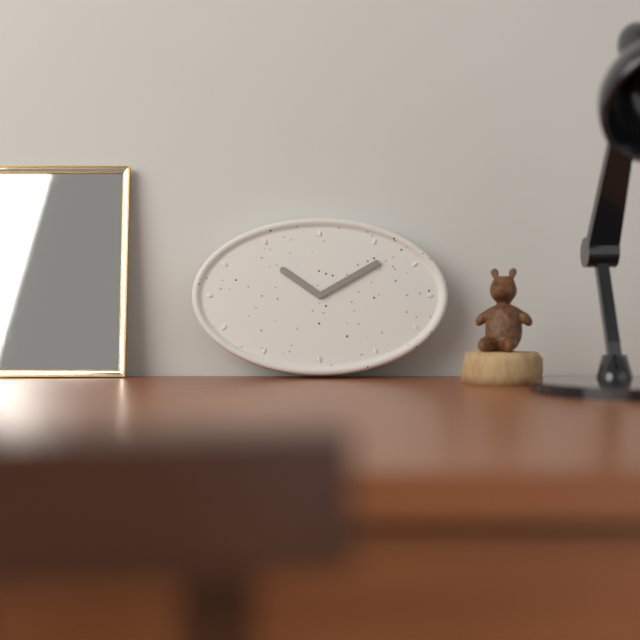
10:10
